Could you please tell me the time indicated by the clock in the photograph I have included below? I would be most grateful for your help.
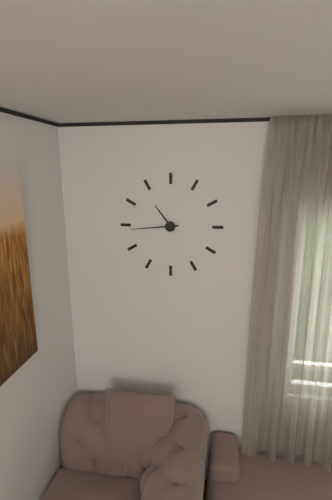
10:44
